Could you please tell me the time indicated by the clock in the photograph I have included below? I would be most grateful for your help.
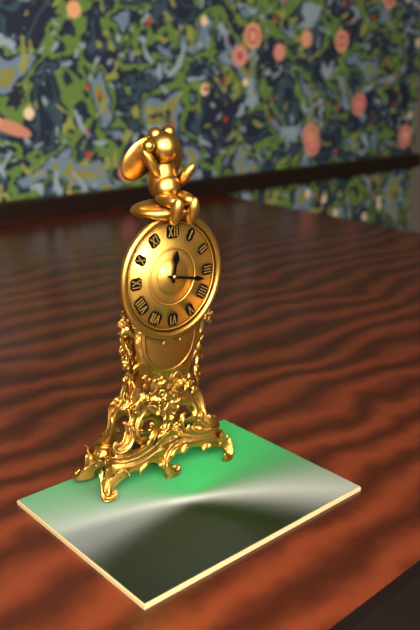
12:17
